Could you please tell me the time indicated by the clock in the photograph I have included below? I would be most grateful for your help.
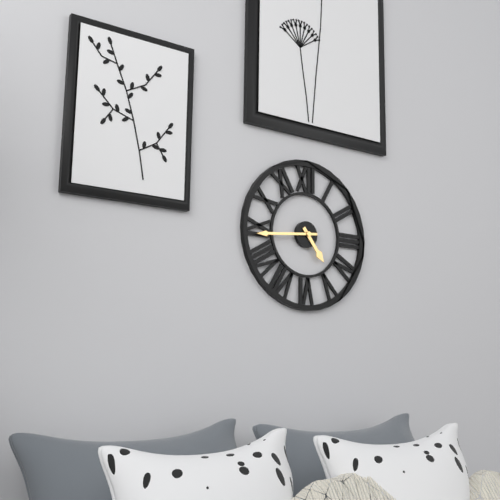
4:44
